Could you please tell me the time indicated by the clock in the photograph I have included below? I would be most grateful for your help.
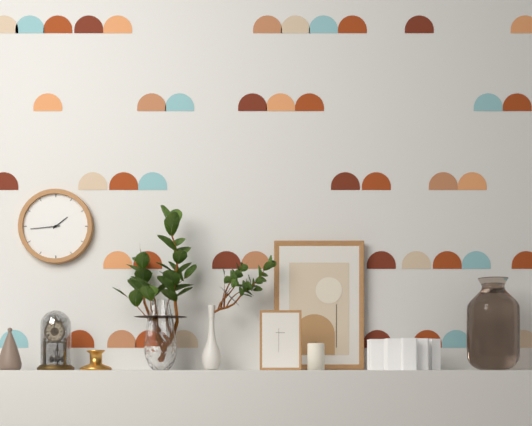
1:44
